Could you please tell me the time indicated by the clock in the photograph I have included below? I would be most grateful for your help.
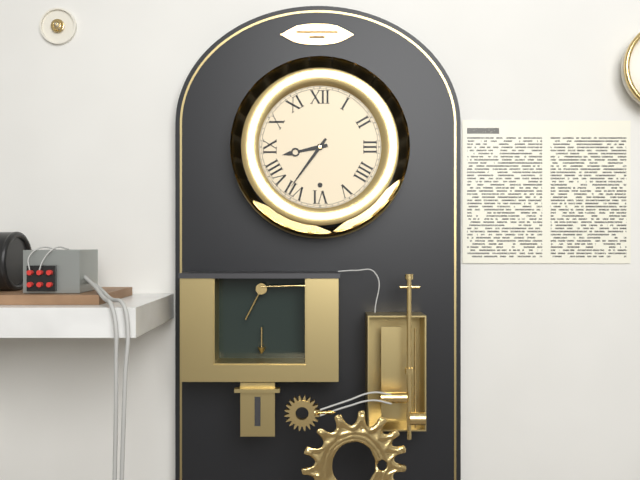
8:36
